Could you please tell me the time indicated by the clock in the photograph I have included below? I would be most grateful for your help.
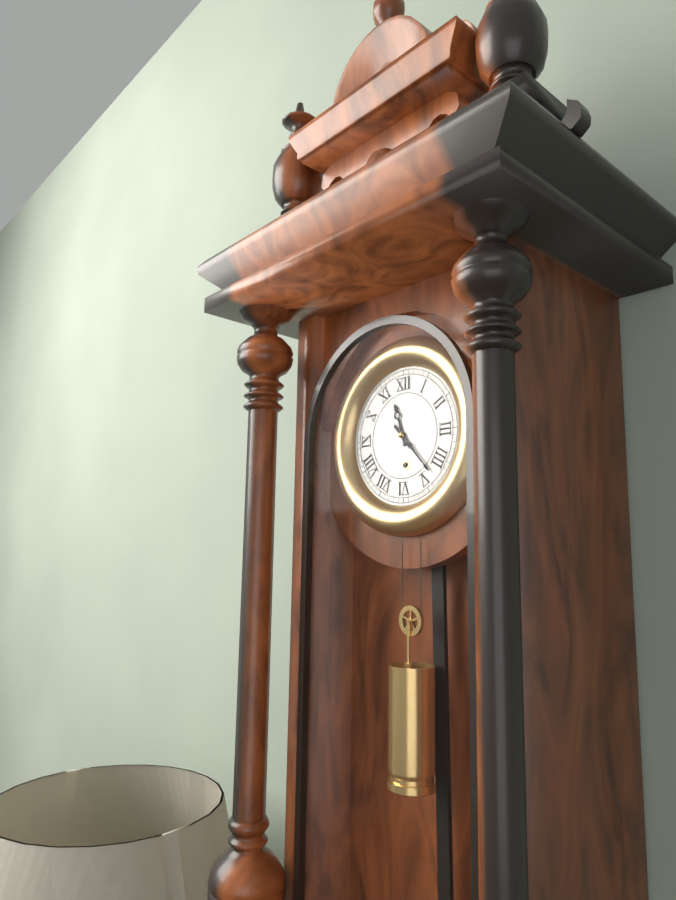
11:23
